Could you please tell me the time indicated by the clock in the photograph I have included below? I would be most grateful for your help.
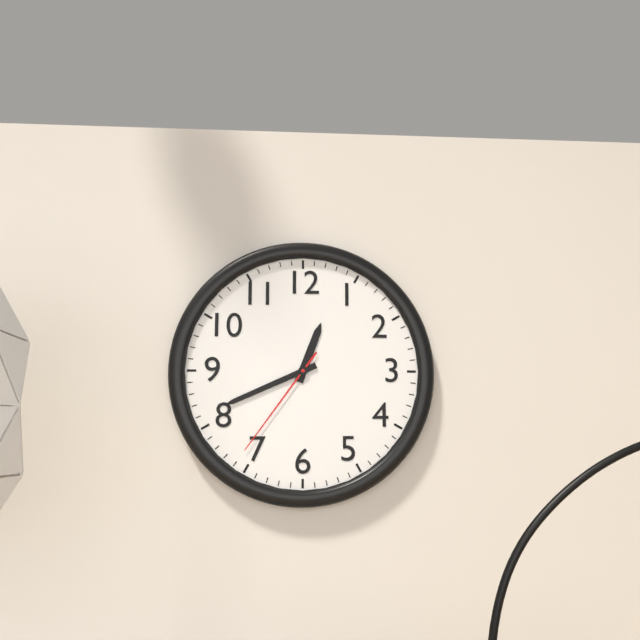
12:41:36
